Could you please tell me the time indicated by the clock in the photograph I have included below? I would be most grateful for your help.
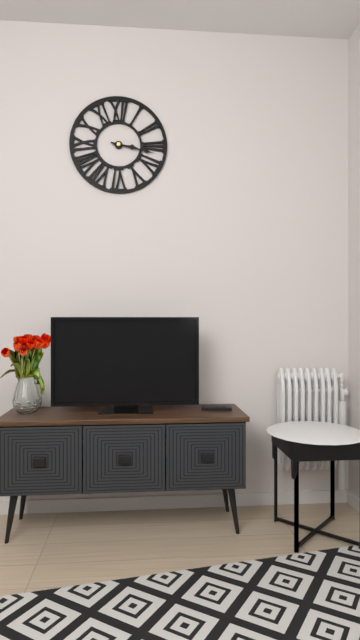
3:17
